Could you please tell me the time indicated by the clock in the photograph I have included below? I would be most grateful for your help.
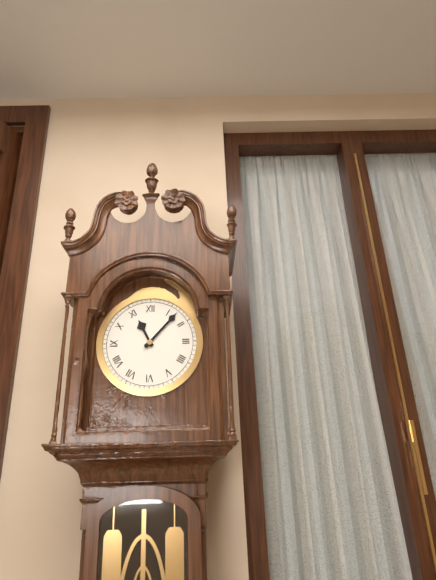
11:07
